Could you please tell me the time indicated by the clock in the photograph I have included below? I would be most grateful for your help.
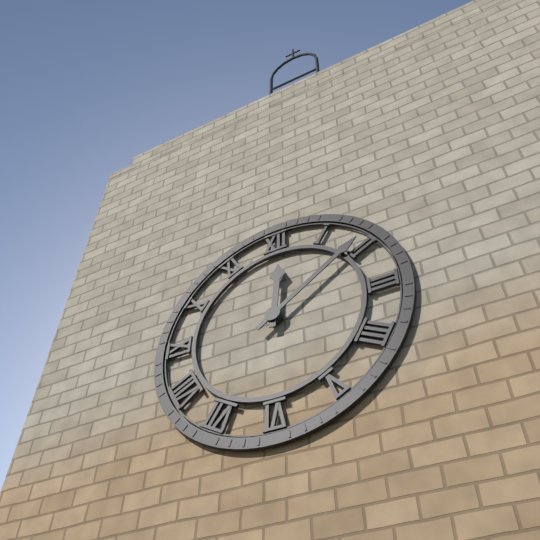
12:09
